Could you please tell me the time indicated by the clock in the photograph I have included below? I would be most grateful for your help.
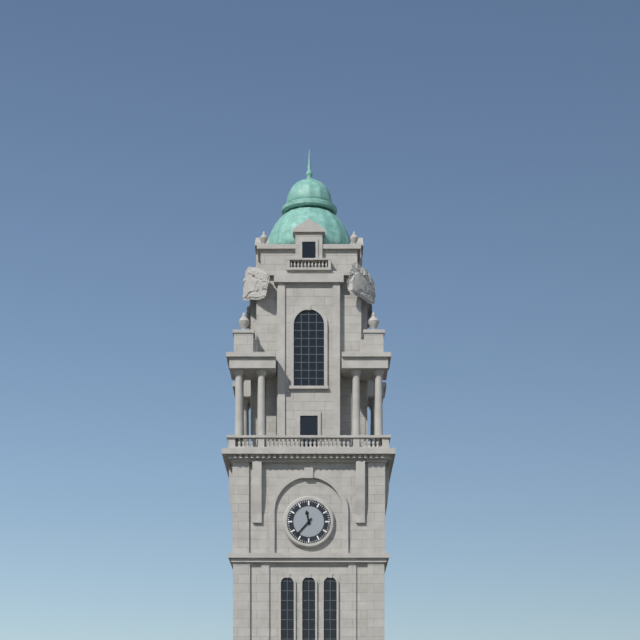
11:37
